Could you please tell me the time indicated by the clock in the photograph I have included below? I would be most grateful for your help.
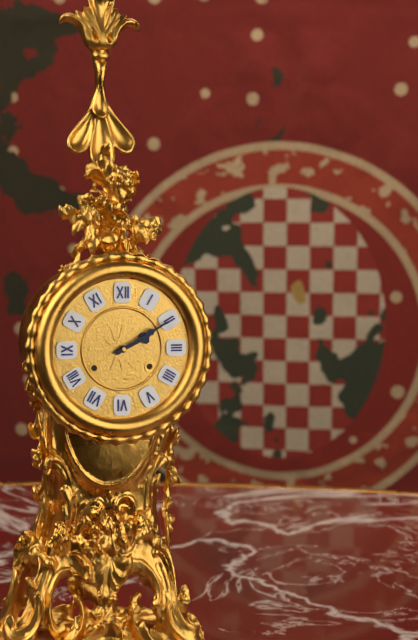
2:10
